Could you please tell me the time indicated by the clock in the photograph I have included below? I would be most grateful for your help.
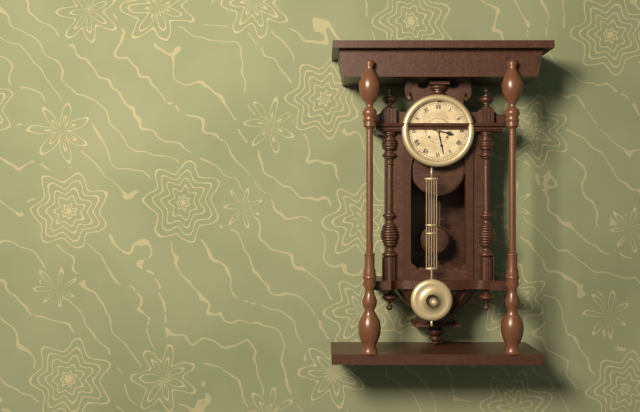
3:28
